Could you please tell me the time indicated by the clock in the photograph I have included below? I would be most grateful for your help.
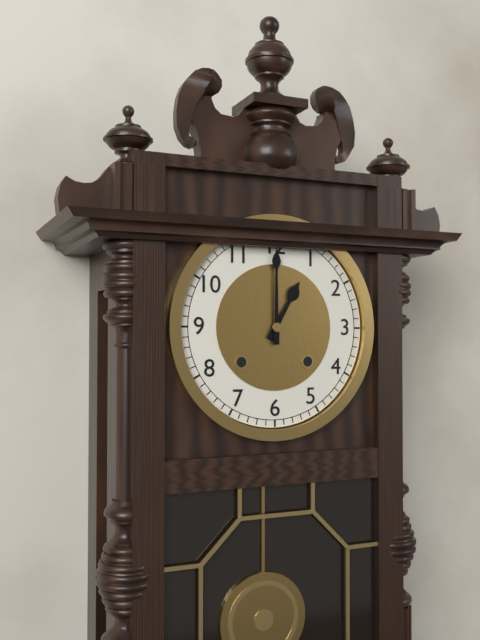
1:00
